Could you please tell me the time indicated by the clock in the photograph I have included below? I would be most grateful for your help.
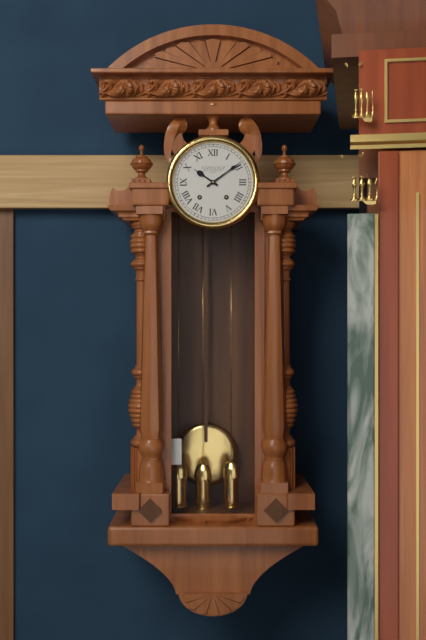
10:09
